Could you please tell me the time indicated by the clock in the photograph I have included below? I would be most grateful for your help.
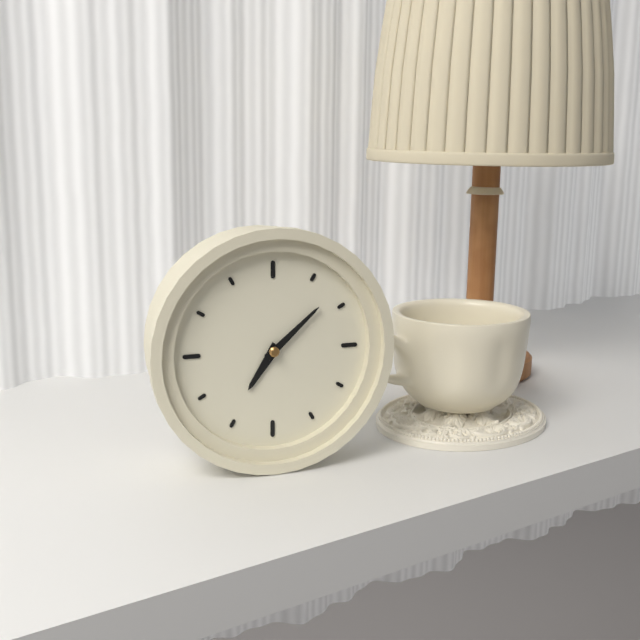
7:08
